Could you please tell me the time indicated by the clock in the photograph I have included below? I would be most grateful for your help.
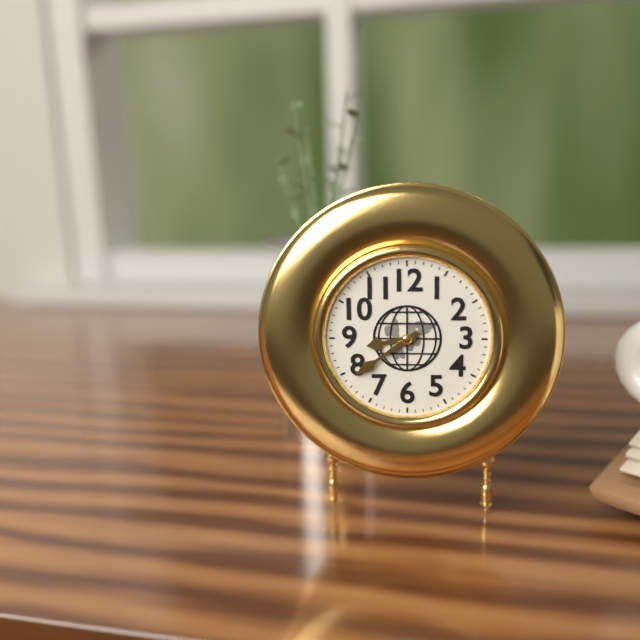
8:39
